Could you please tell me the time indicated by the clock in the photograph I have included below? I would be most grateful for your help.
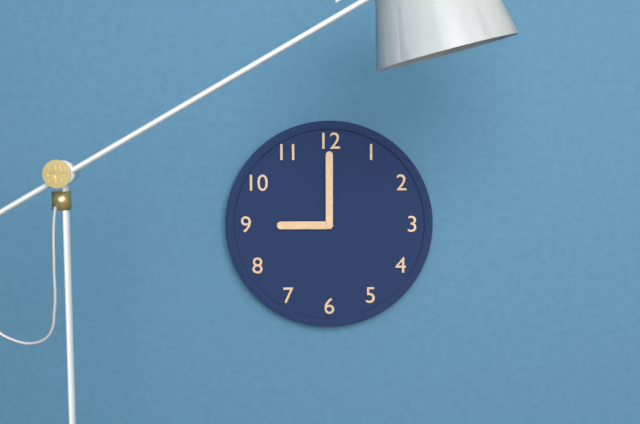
9:00
